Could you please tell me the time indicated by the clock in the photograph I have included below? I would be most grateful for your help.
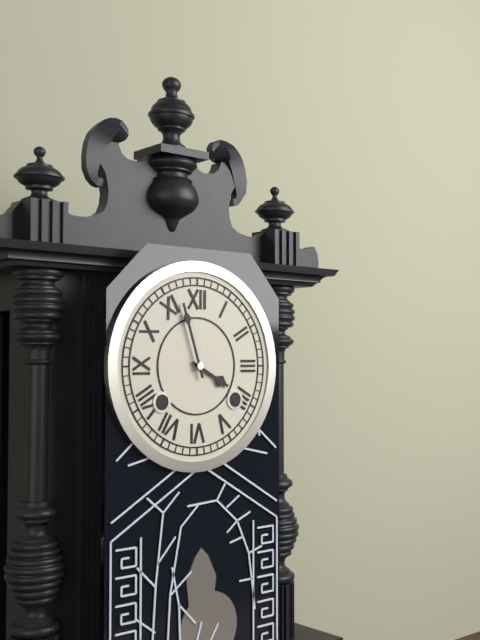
3:57
